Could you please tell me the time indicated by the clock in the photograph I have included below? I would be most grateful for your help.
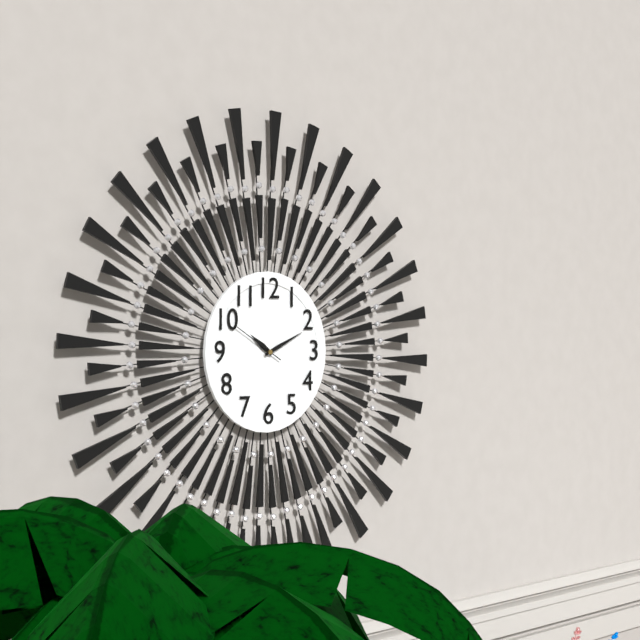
10:11
